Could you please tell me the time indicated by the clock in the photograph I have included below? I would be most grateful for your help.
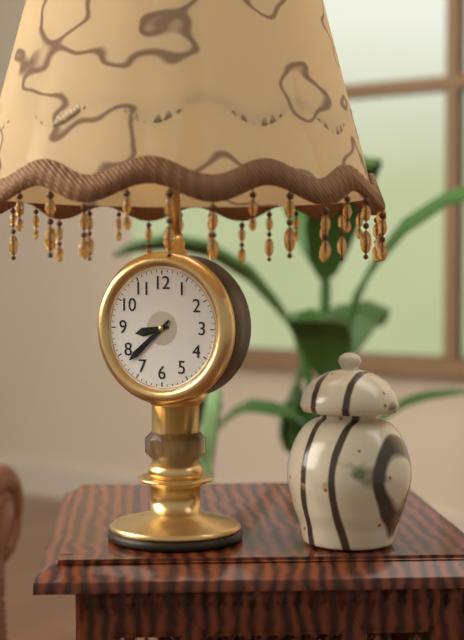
8:38
